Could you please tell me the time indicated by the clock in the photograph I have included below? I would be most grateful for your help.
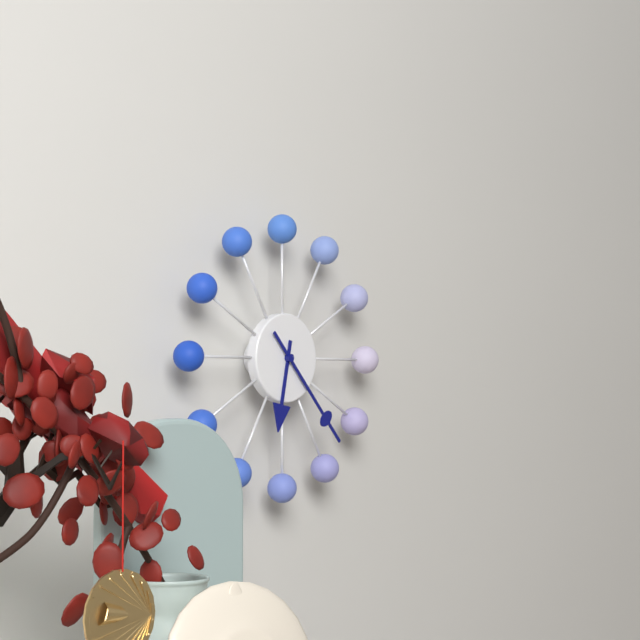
6:23
